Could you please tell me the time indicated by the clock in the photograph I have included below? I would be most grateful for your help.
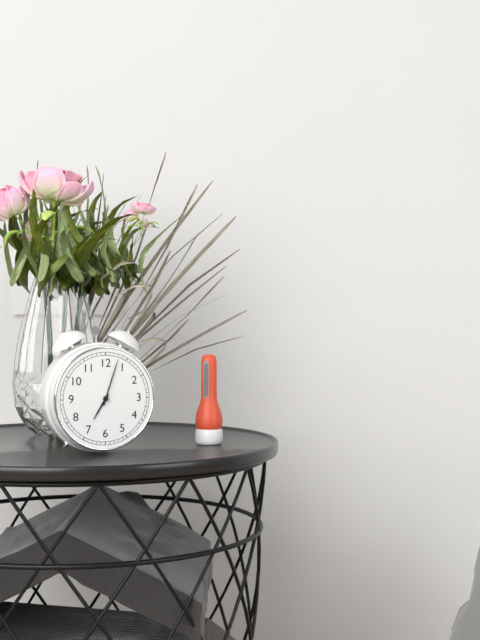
7:03
